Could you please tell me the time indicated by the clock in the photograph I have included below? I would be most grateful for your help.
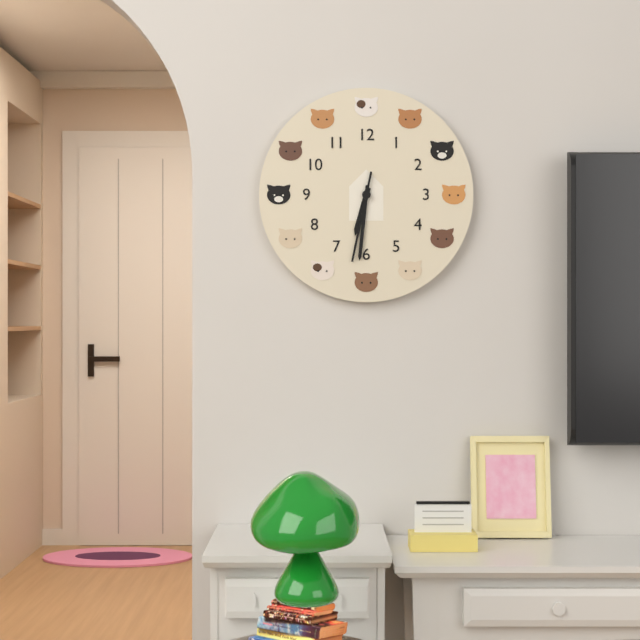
6:31:32
